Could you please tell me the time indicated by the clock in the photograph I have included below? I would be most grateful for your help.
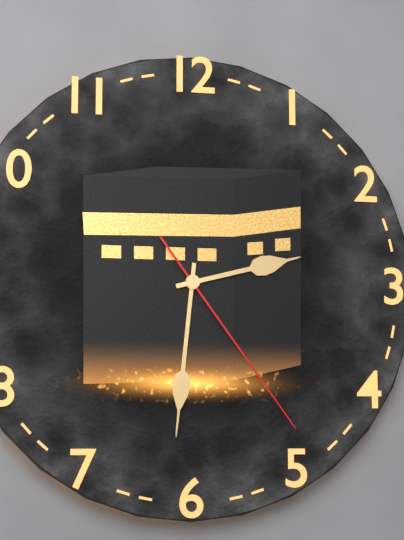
2:31:24
